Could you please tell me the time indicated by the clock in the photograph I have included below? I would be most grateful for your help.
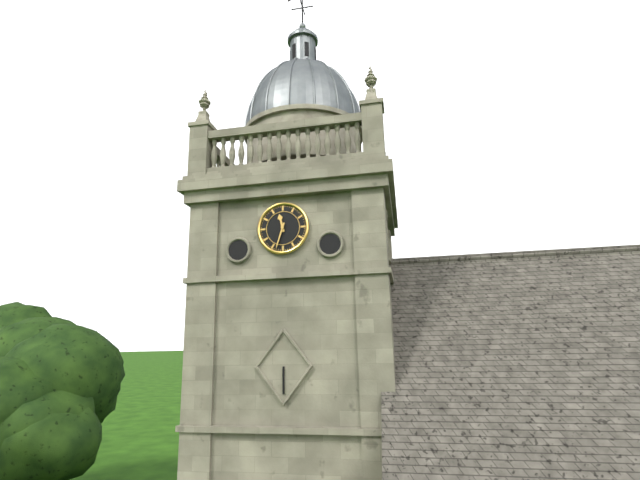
11:33
